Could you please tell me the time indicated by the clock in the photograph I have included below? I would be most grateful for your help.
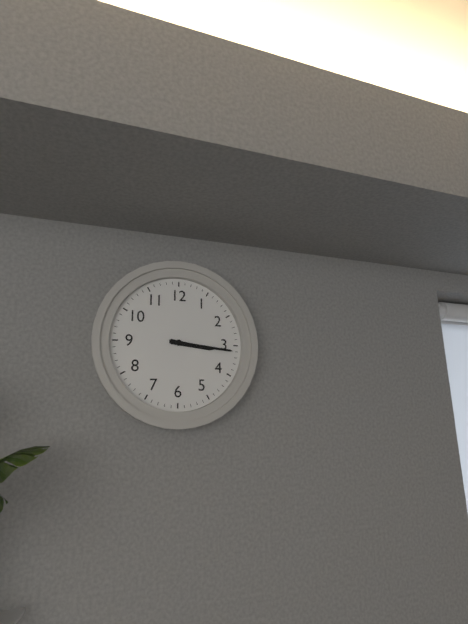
3:16
